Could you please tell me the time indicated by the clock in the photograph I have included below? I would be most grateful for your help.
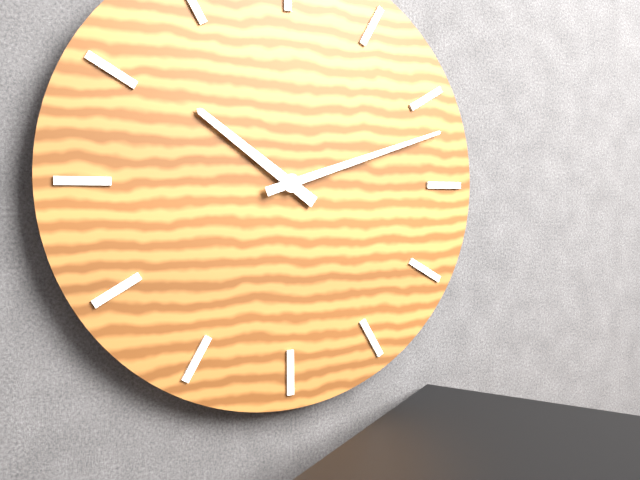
10:12
